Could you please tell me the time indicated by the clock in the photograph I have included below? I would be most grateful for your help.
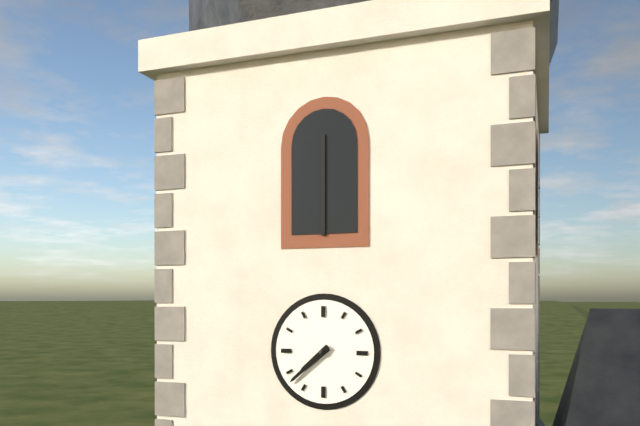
7:38
